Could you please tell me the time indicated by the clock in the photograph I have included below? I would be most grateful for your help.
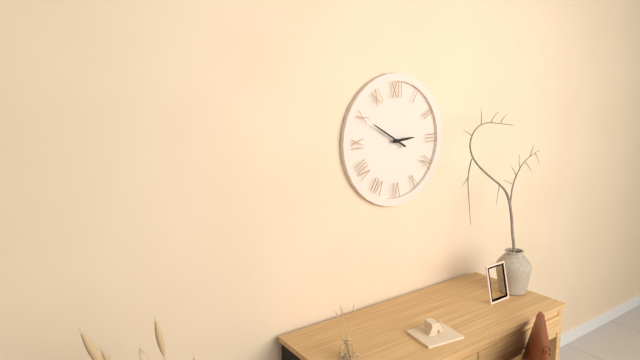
2:50
